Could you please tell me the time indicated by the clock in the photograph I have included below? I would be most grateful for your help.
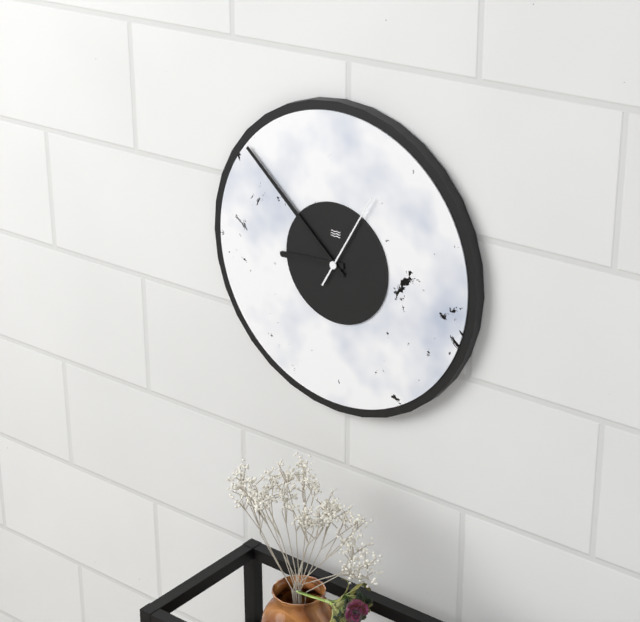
8:52:05
